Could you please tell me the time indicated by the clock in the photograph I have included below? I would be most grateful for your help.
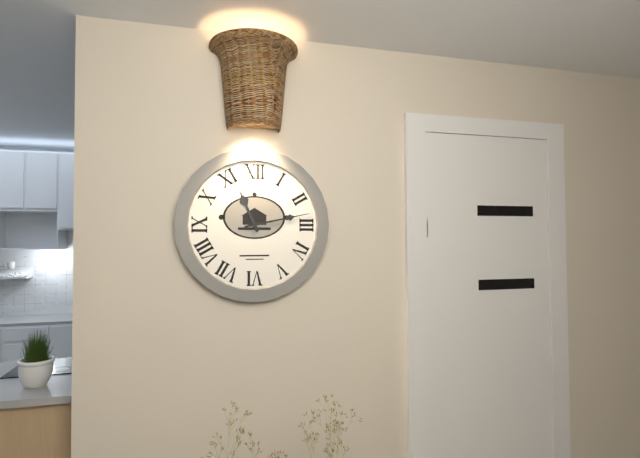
11:13
